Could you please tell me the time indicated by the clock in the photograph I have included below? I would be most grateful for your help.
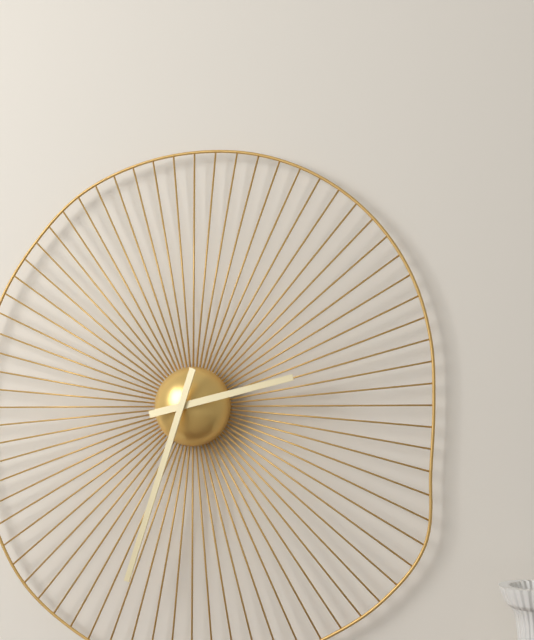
2:33
